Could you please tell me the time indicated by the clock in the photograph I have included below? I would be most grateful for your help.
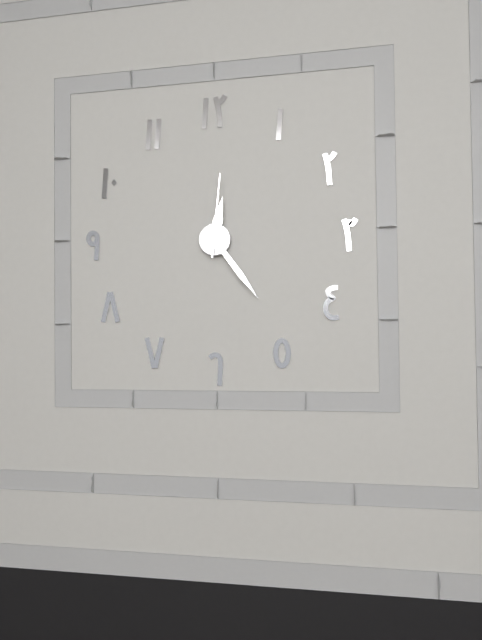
12:24:01
